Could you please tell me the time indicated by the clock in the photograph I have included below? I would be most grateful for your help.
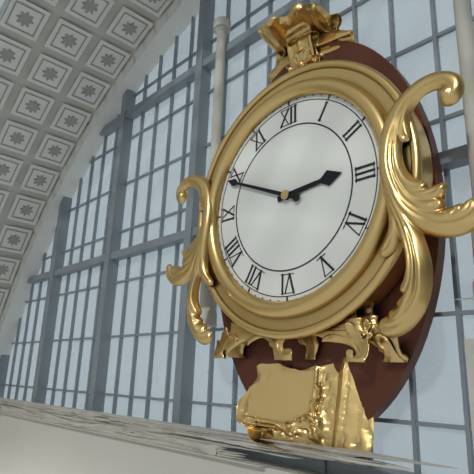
2:49
